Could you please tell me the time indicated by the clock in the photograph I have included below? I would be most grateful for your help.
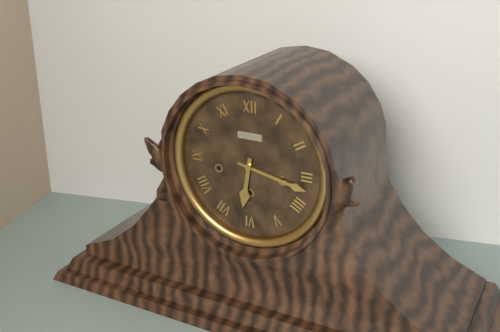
6:17
